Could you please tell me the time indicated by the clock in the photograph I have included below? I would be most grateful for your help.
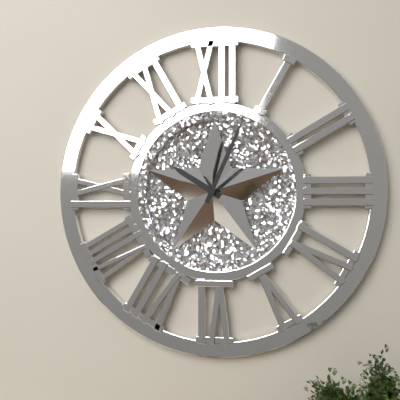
10:04
